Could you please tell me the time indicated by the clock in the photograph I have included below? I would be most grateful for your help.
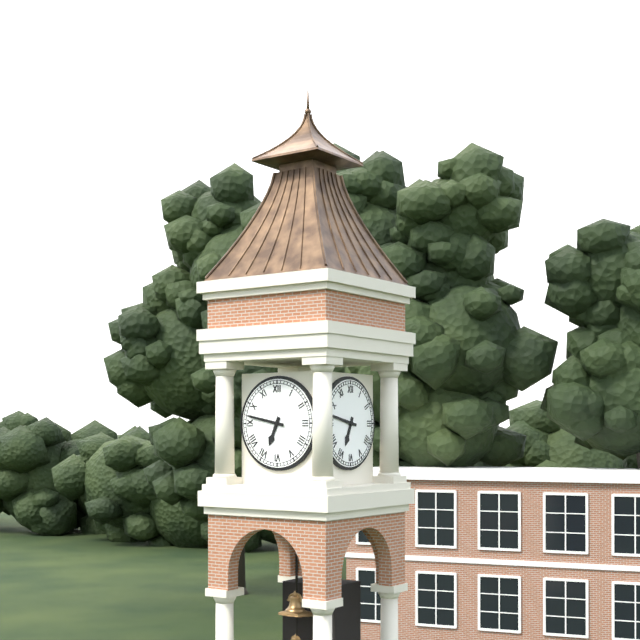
6:47
